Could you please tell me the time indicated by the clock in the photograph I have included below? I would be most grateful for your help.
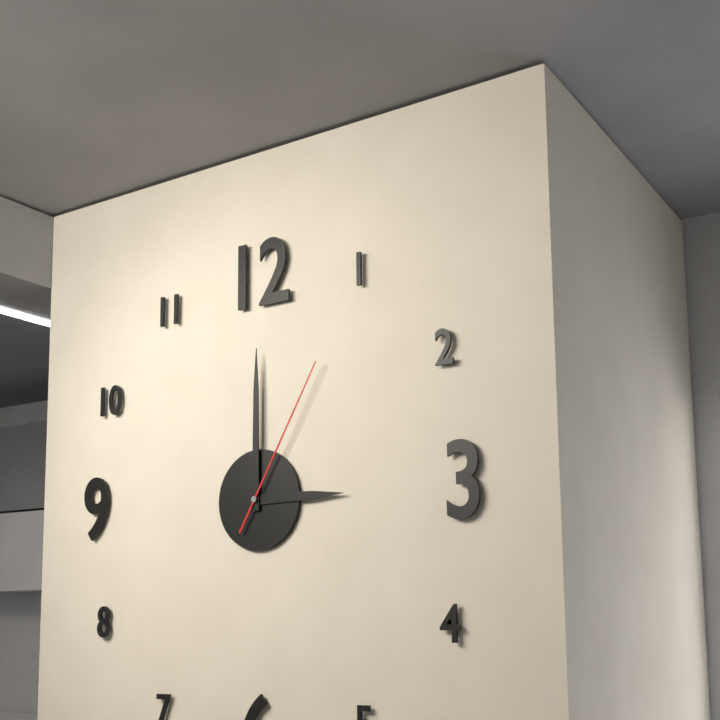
3:00:05
